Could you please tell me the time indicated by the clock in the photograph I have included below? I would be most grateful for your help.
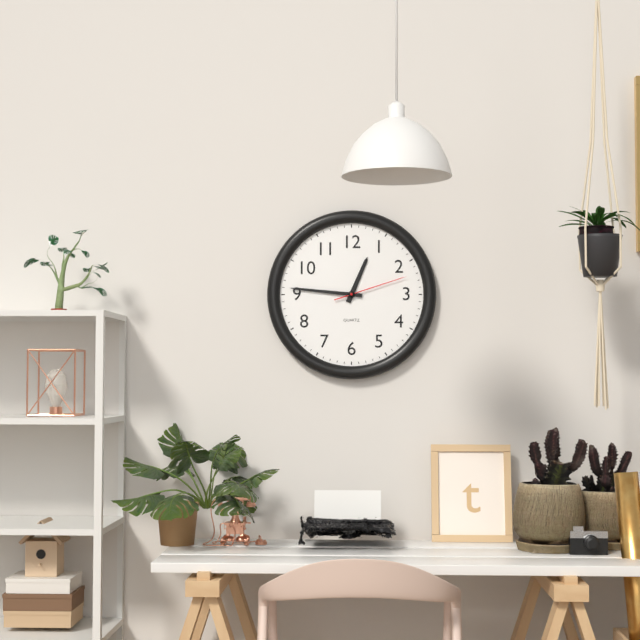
12:46:12
